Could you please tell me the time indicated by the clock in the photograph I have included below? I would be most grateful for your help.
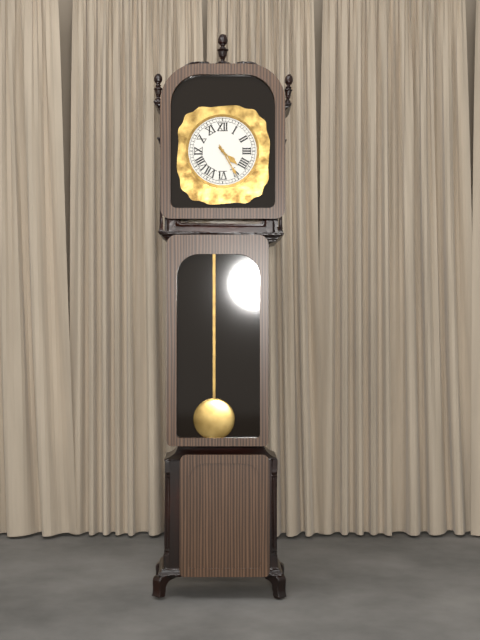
4:25
